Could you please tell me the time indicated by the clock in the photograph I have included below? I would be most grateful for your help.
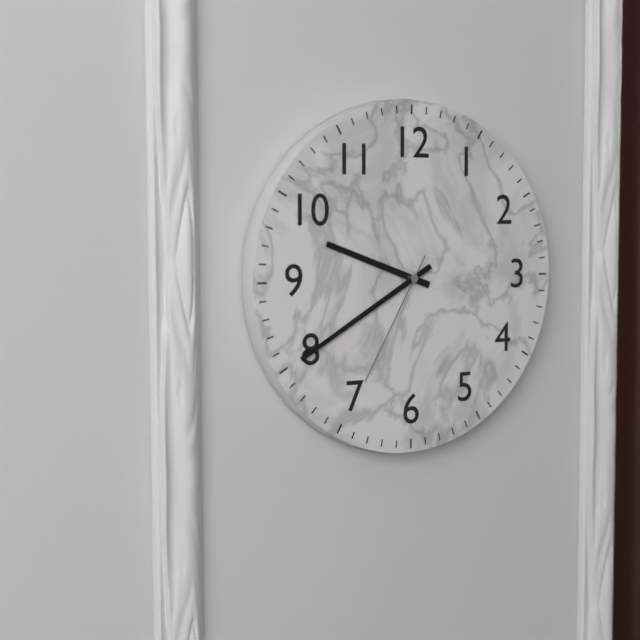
9:40:35
